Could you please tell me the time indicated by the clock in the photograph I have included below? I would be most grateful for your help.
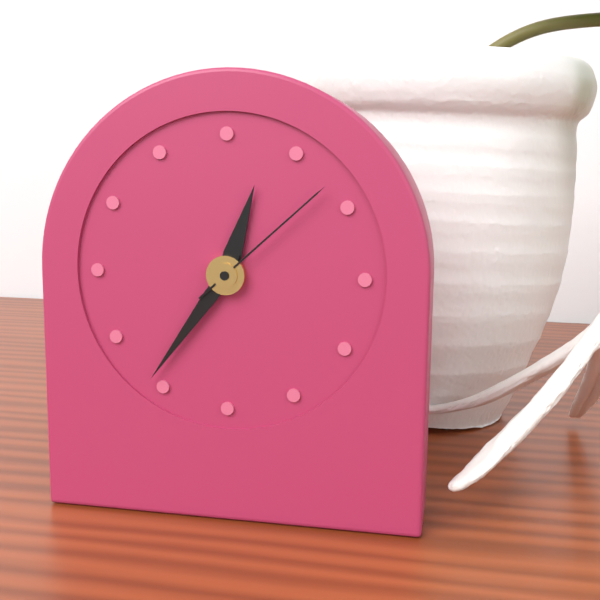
12:36:08
